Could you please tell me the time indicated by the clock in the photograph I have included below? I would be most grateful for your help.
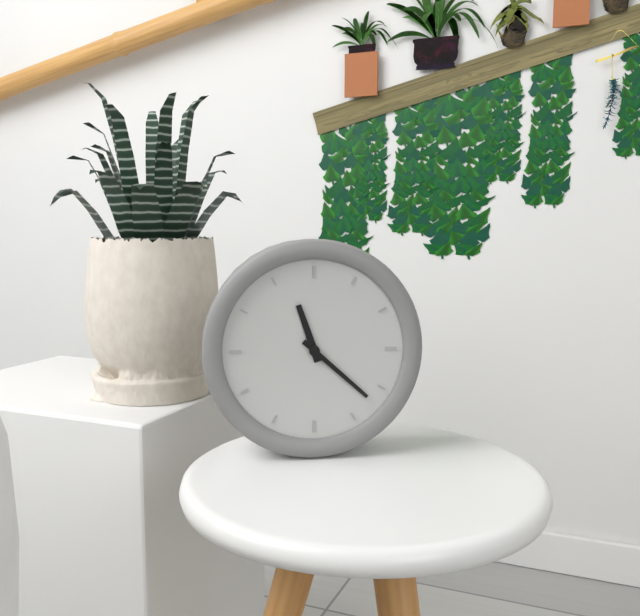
11:22
